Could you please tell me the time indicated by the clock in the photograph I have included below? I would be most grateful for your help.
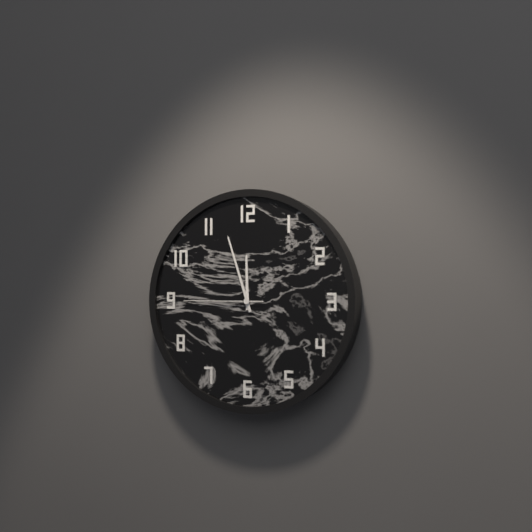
11:57:45
